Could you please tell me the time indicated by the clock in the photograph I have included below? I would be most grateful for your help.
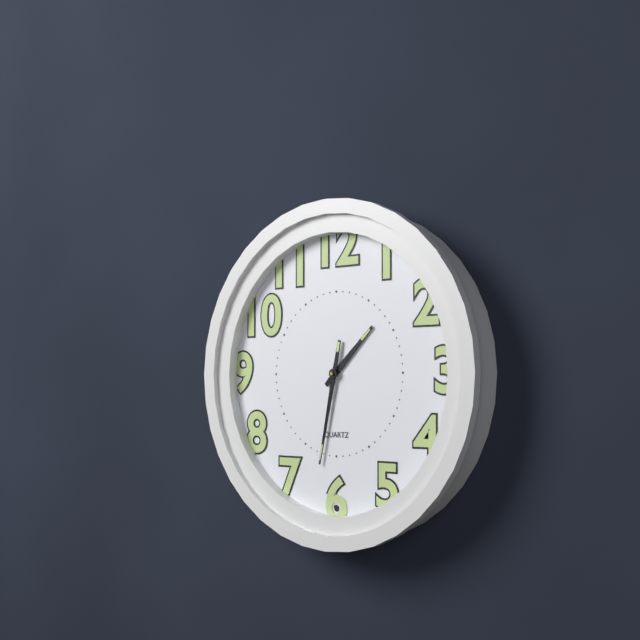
1:32
